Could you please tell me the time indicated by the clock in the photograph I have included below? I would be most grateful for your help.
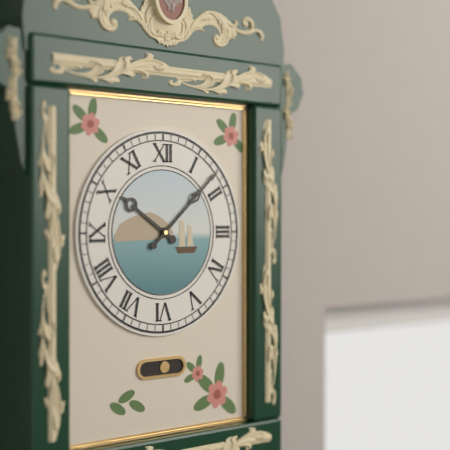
10:08
